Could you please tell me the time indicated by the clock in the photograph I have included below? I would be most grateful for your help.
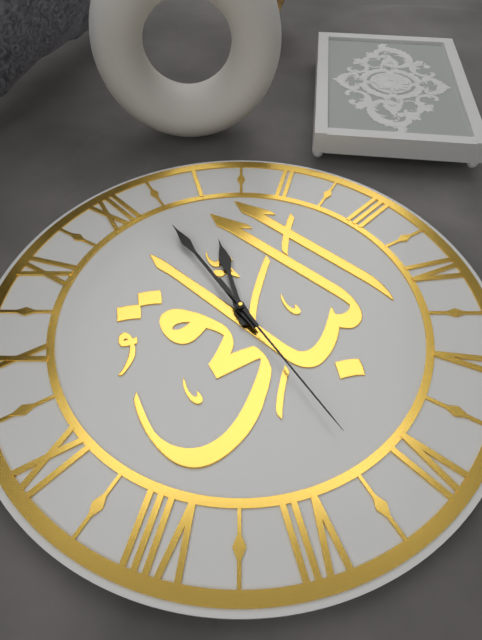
1:02:32
